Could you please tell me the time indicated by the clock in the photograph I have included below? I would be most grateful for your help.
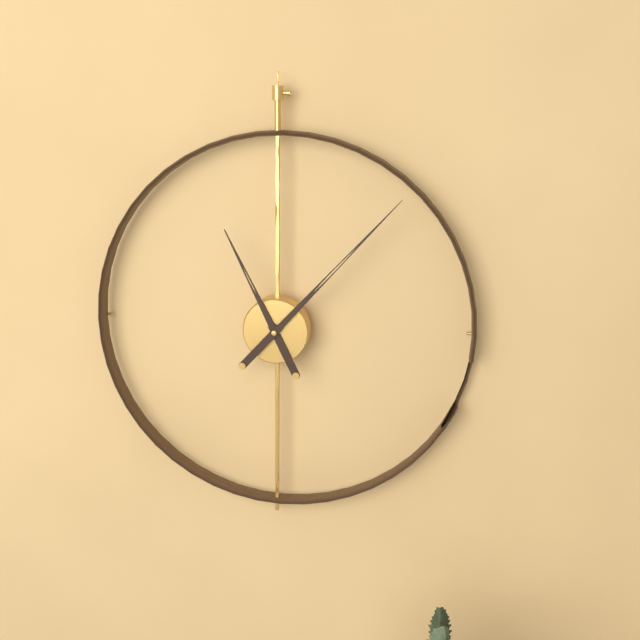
11:07
